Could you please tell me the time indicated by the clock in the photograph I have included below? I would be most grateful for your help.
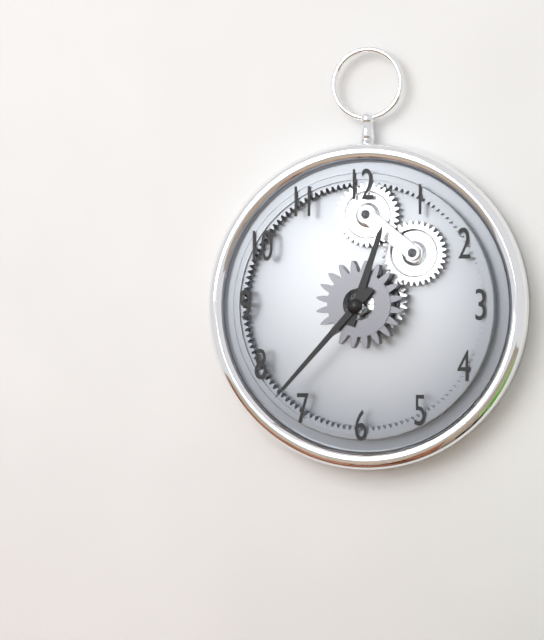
12:37
